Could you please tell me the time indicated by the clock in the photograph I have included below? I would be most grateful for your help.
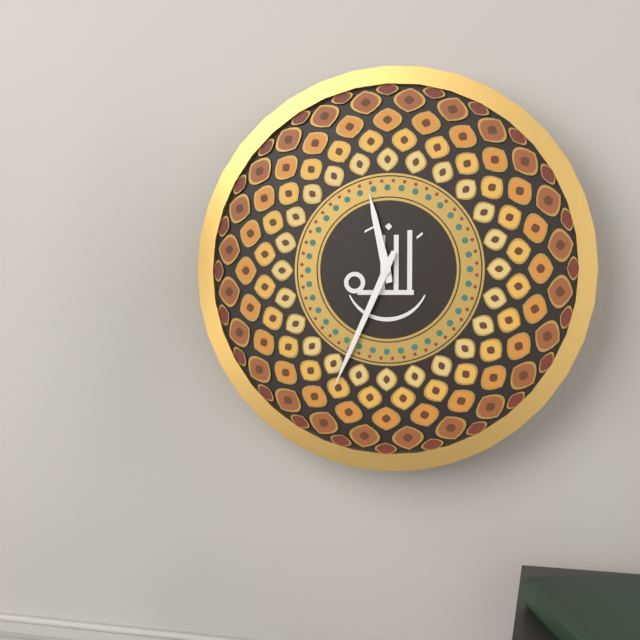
11:34
